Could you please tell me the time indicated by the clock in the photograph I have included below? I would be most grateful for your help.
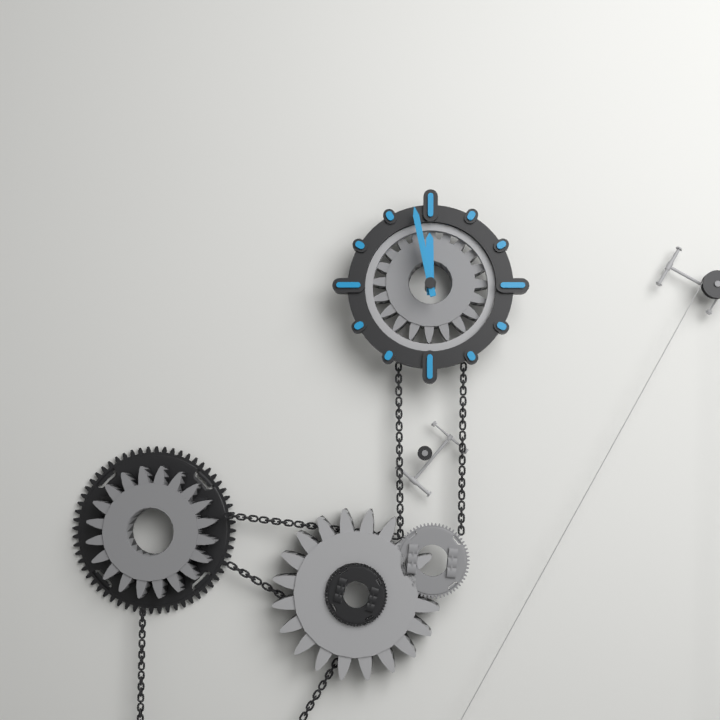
11:58
